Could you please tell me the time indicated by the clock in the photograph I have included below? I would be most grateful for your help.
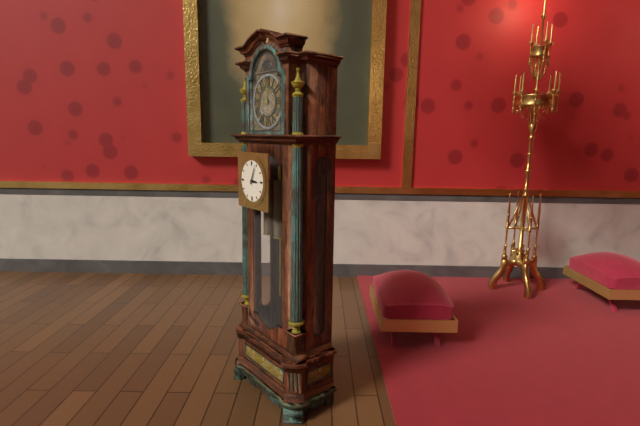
3:04
